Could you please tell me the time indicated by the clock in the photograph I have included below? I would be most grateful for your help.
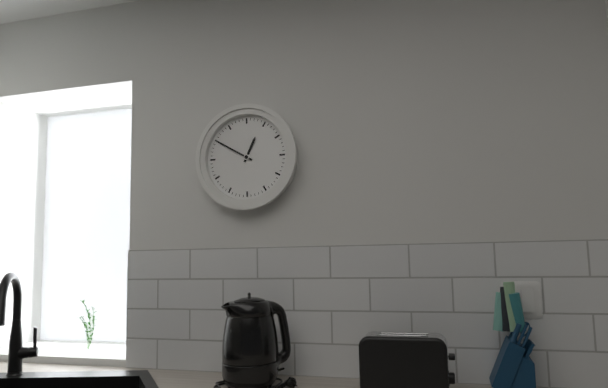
12:50
